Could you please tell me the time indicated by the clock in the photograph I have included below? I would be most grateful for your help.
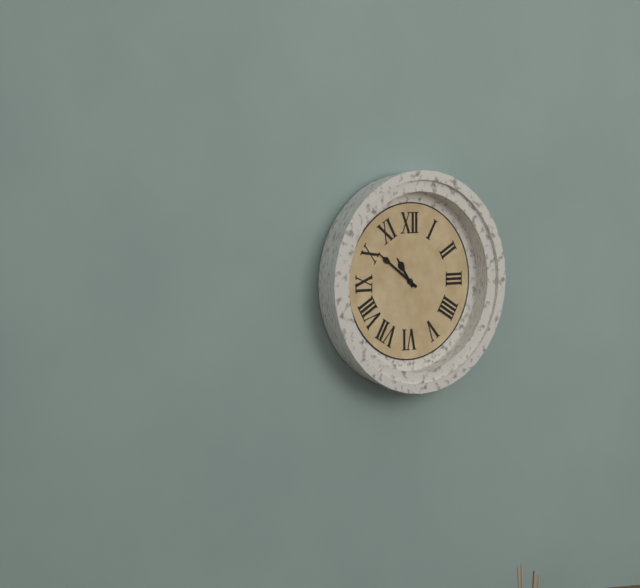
10:51
